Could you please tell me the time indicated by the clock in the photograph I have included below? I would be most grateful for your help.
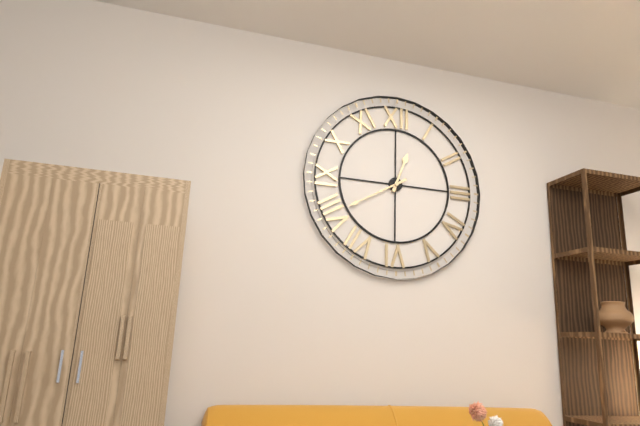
12:40
